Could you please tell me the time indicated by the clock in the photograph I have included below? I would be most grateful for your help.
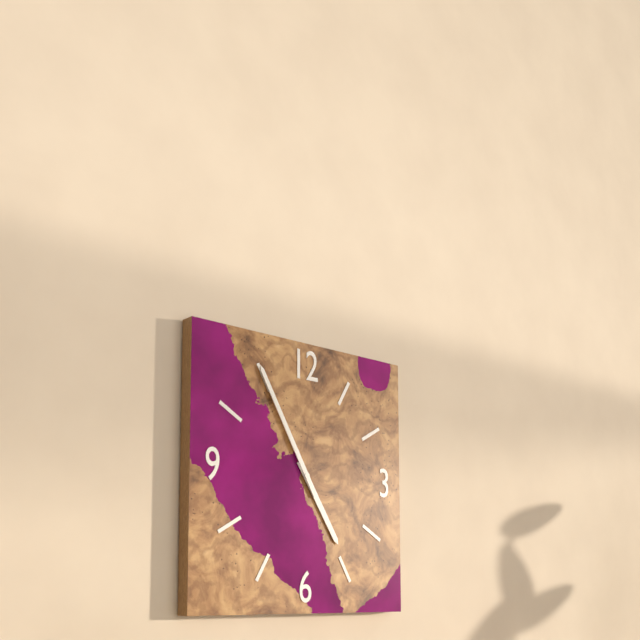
4:55
